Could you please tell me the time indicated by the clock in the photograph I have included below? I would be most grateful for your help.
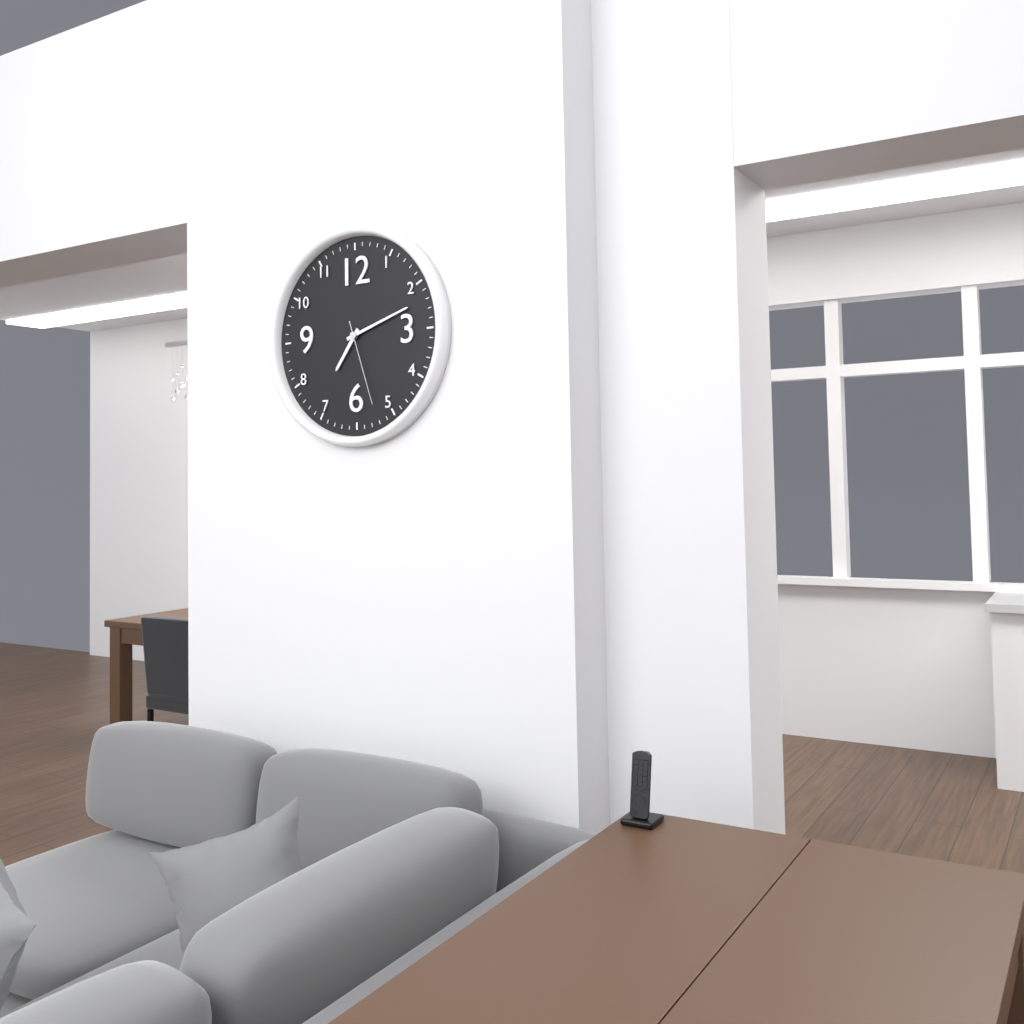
7:12:27
